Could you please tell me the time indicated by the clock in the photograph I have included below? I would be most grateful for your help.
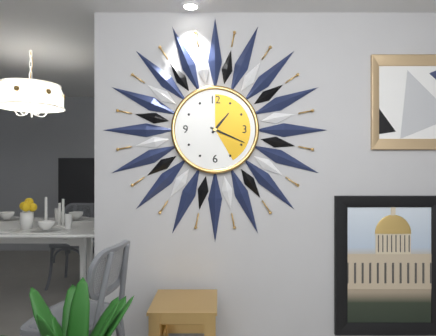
1:19
